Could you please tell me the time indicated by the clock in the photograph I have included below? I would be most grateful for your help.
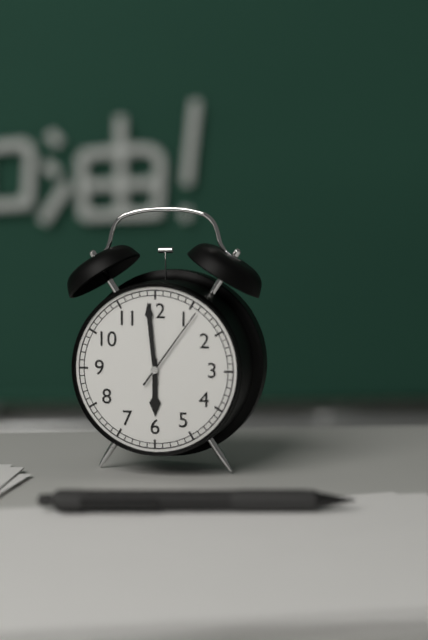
5:59:06
